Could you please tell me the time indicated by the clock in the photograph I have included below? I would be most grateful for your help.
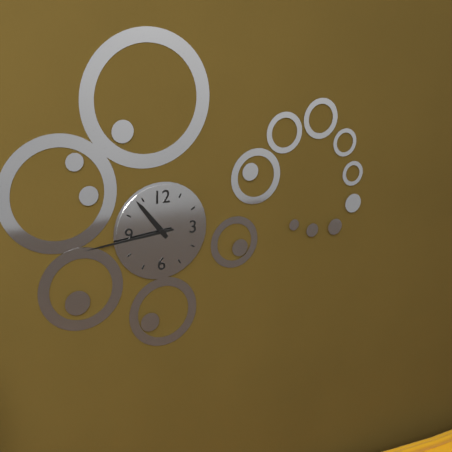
10:44
